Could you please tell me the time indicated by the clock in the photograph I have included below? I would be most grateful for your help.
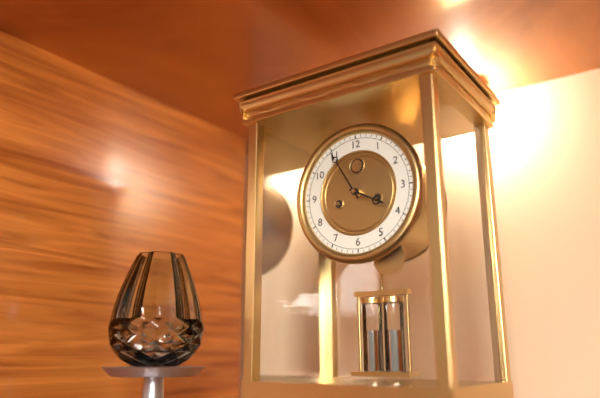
3:55
